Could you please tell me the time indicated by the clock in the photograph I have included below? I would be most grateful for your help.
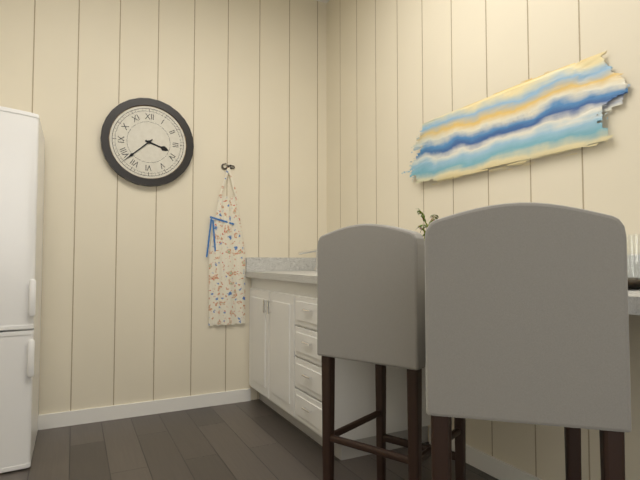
3:38
